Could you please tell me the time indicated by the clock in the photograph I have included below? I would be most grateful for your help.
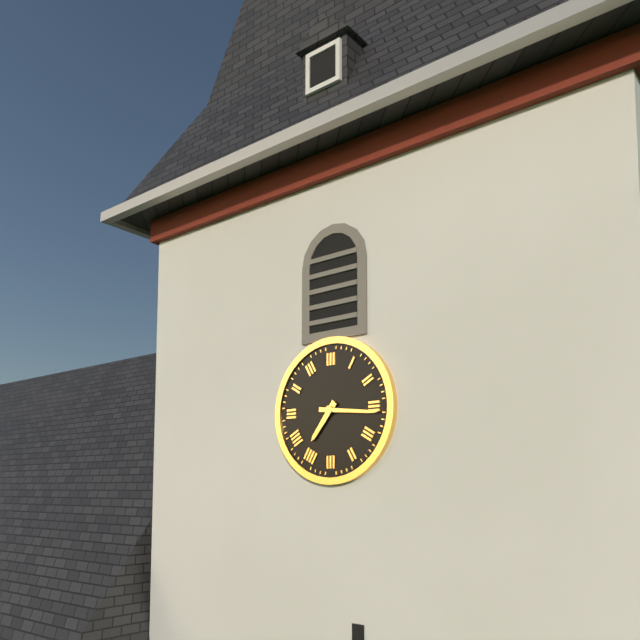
7:16
